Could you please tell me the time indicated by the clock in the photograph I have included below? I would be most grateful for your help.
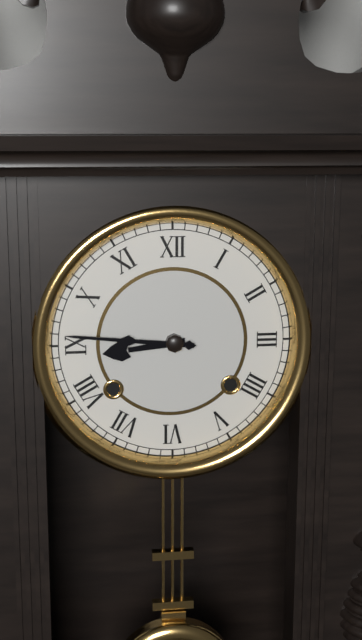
8:46
